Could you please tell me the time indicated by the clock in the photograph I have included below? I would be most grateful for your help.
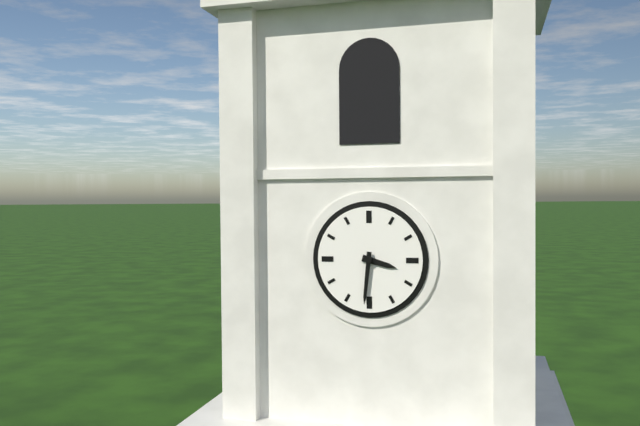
3:31
